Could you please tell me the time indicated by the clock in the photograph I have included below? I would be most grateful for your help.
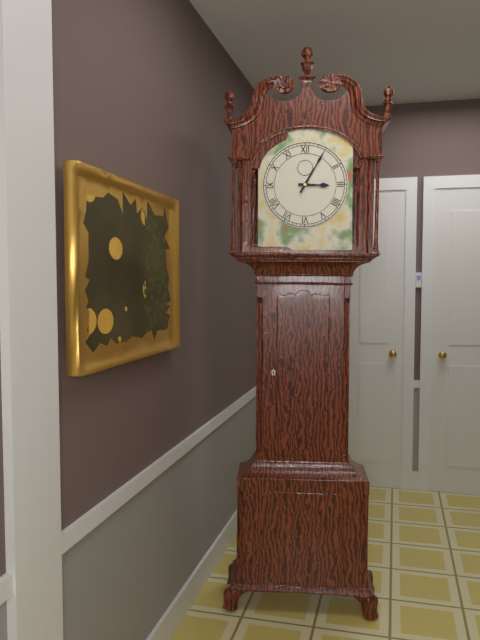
3:05
